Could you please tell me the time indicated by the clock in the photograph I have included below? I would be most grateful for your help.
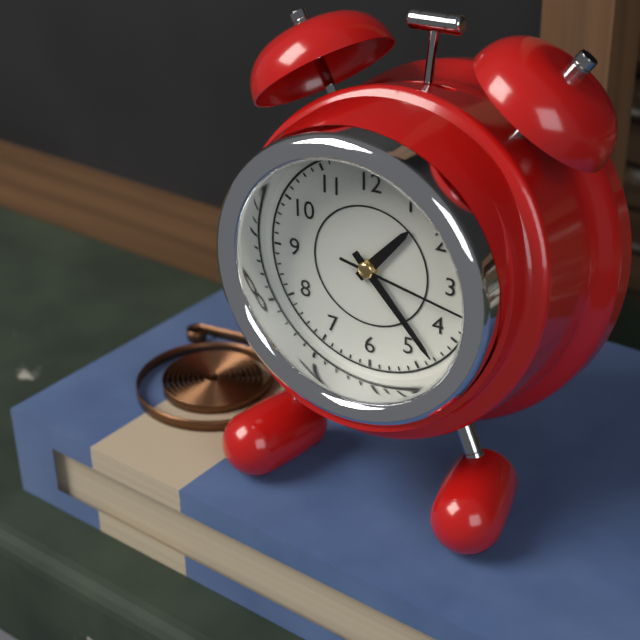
1:23:17
